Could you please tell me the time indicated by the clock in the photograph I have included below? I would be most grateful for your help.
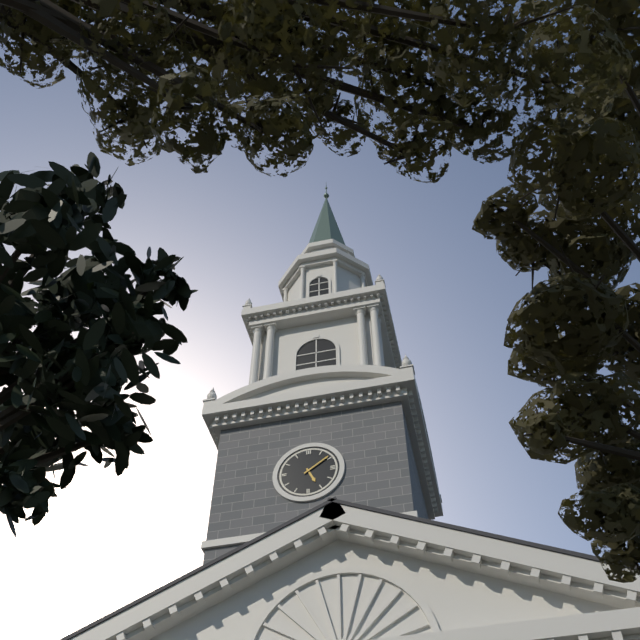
5:09
